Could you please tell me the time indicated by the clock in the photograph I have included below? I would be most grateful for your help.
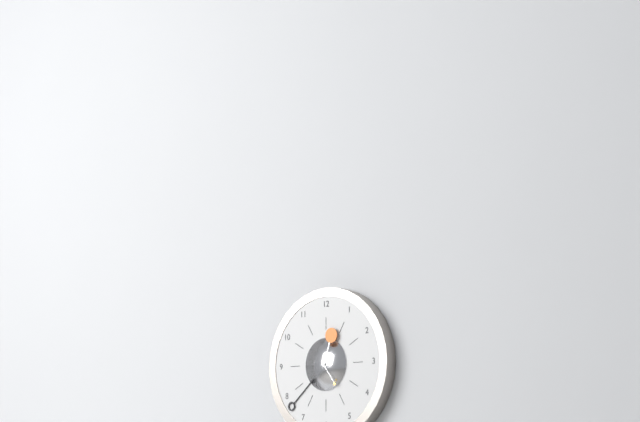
12:38
